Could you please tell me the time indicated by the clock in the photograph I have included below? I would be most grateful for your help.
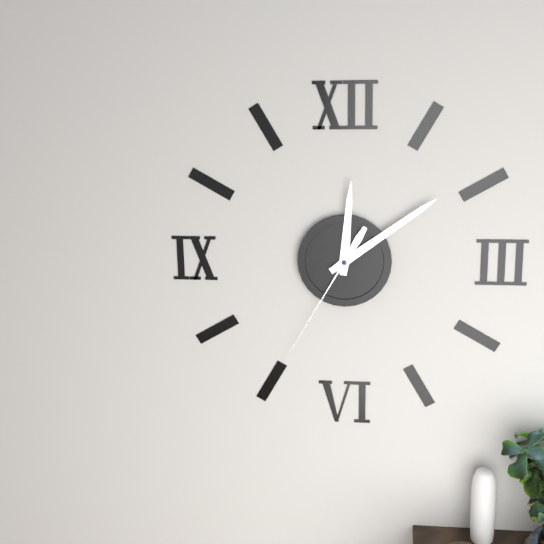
12:09:35
